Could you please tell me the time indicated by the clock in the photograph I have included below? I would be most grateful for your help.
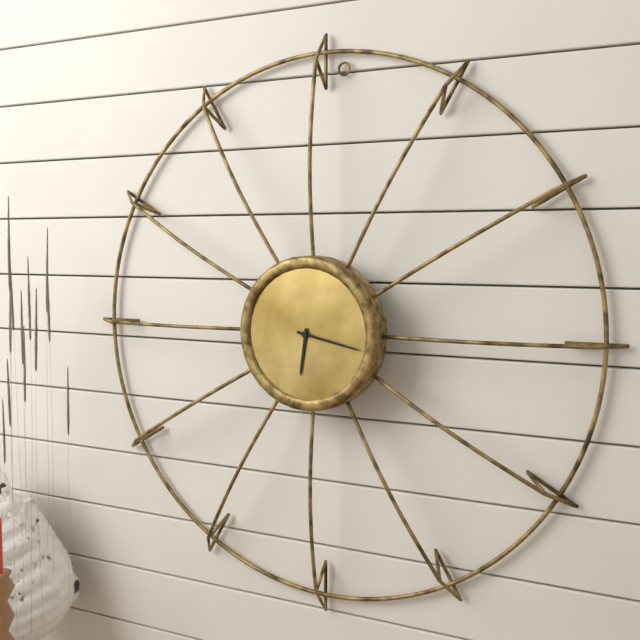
6:17
